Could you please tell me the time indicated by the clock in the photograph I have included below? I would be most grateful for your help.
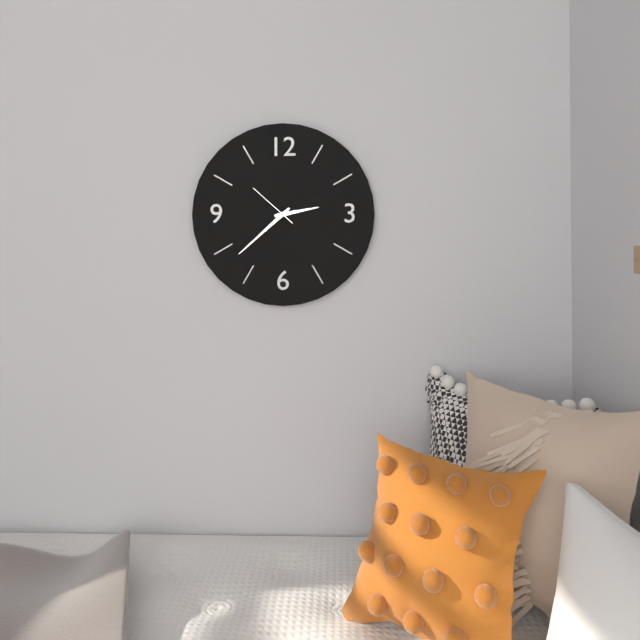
2:38
